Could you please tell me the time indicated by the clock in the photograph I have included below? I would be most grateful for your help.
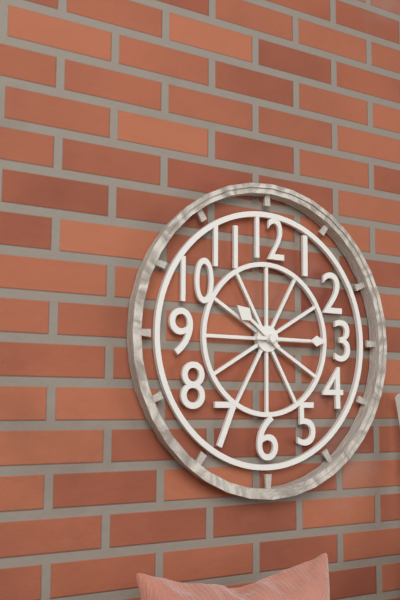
10:15
